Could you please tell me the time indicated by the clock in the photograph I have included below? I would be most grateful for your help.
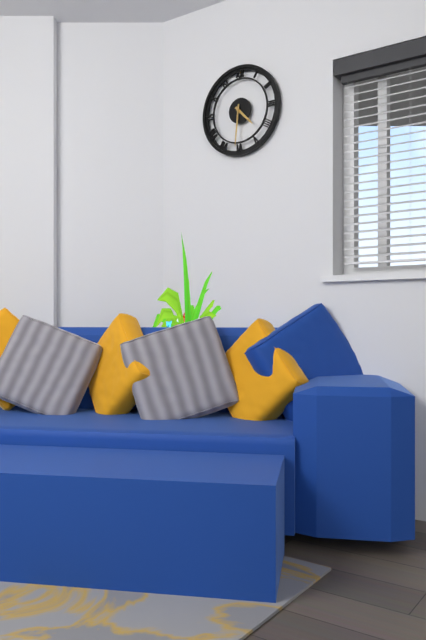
4:31
